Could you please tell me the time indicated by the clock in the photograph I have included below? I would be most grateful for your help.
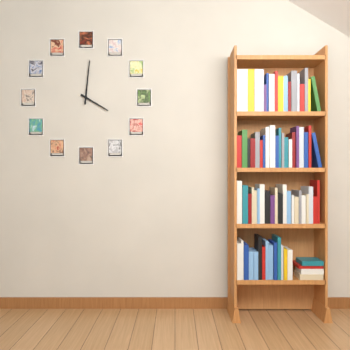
4:01
